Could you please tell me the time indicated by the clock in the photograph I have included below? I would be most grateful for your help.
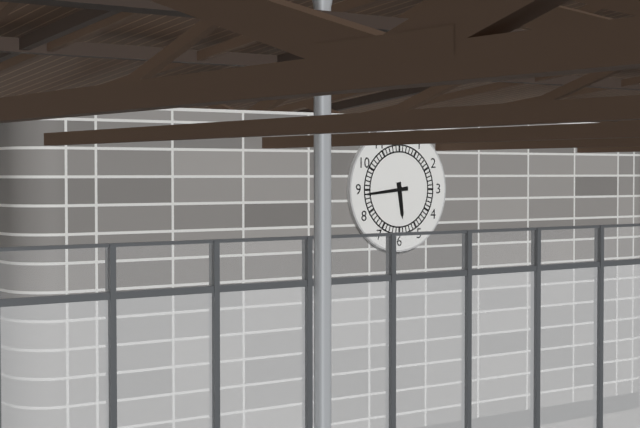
5:44
